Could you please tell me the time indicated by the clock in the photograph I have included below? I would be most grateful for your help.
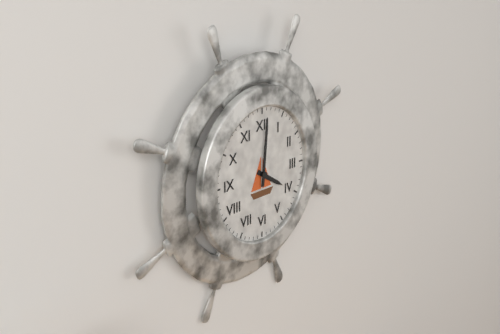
4:01
